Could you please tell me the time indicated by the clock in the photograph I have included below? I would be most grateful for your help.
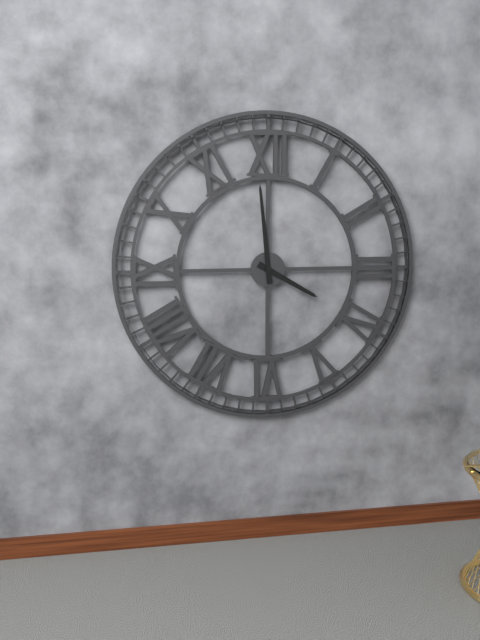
3:59
